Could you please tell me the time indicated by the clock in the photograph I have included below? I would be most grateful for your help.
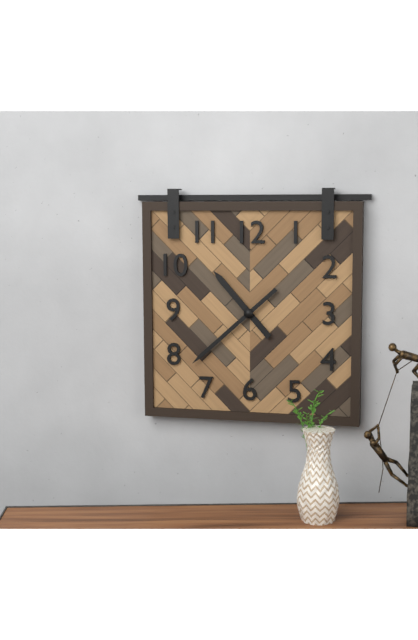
10:38
